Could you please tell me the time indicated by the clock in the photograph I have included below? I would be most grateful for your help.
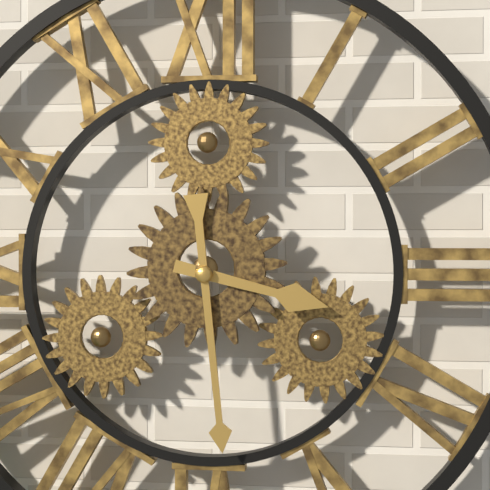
3:29
